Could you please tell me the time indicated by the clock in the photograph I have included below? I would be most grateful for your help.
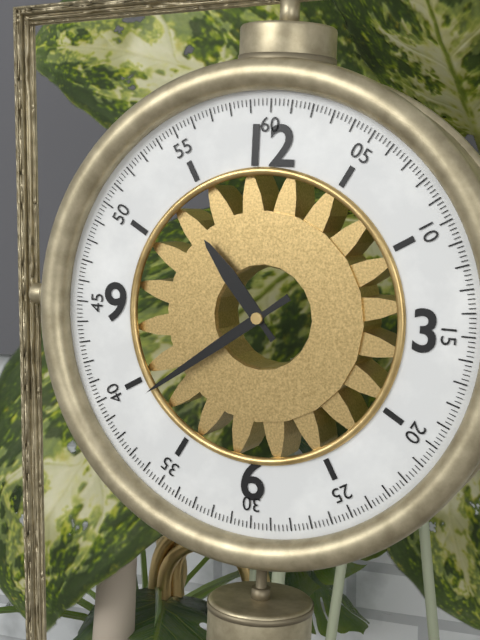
10:39
